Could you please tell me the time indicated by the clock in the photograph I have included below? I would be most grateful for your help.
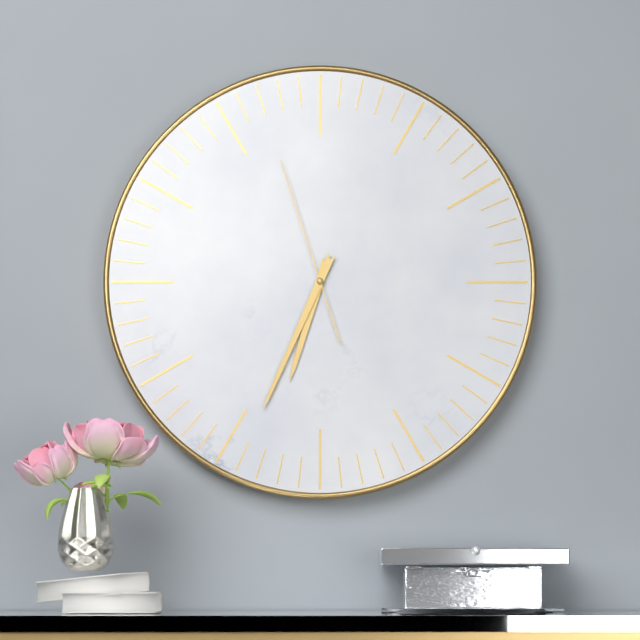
6:34:57
